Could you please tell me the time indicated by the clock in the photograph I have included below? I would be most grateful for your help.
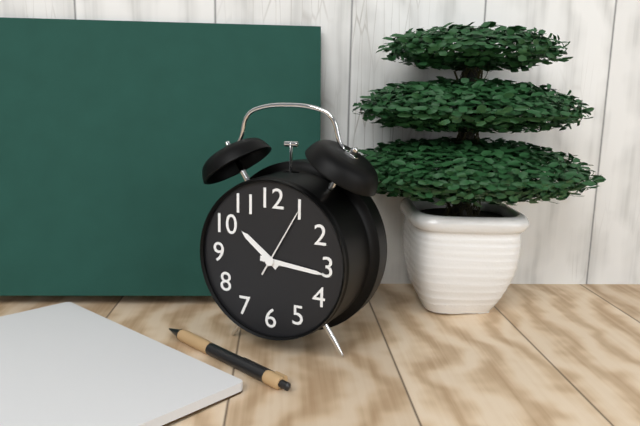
10:16:05
